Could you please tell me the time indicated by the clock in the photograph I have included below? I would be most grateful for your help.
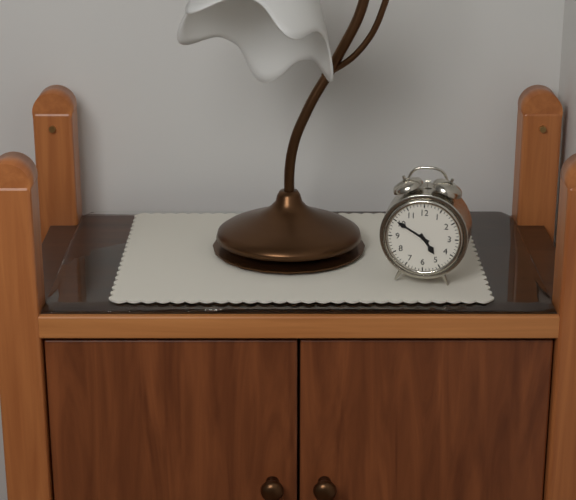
4:50
